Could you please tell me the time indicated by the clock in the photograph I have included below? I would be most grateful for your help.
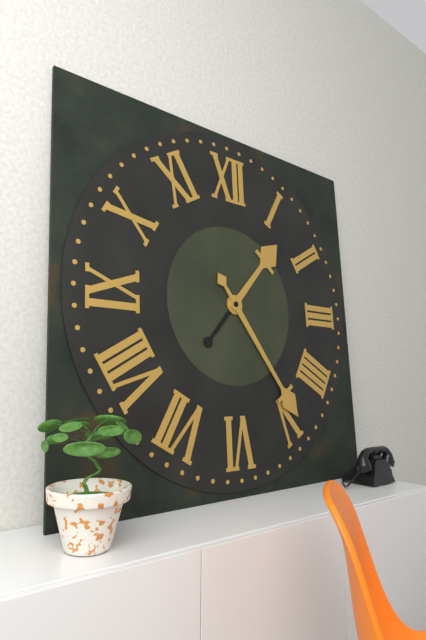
1:24
